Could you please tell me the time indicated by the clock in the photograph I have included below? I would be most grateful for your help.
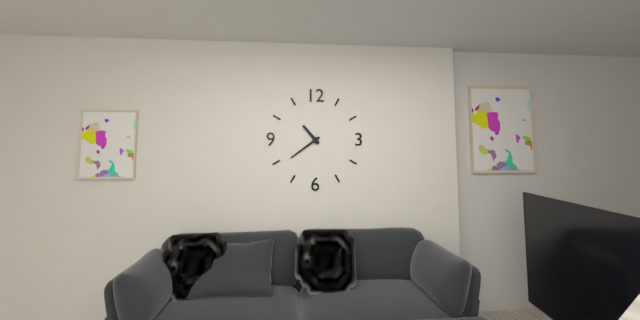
10:39
